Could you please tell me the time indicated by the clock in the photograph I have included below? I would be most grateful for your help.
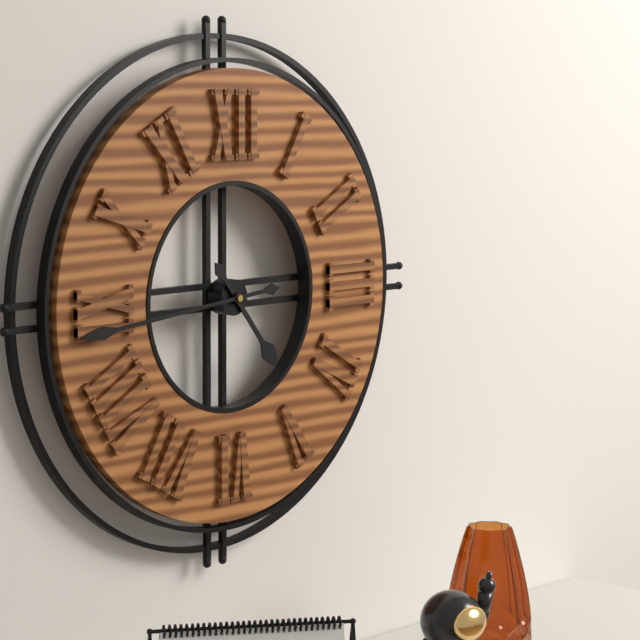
4:44
